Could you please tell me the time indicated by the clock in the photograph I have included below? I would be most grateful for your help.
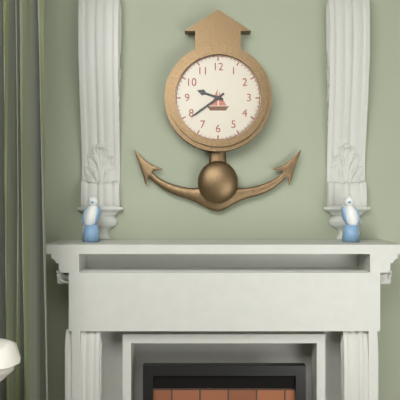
9:39
